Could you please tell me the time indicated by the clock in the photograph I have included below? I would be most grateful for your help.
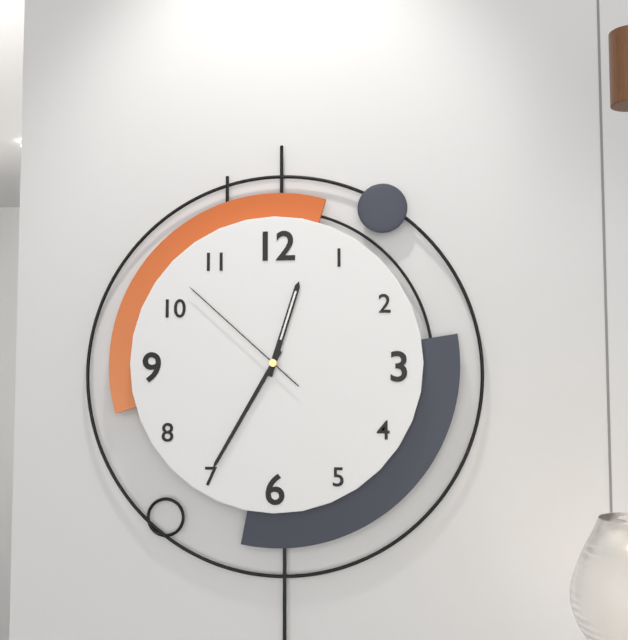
12:35:52
